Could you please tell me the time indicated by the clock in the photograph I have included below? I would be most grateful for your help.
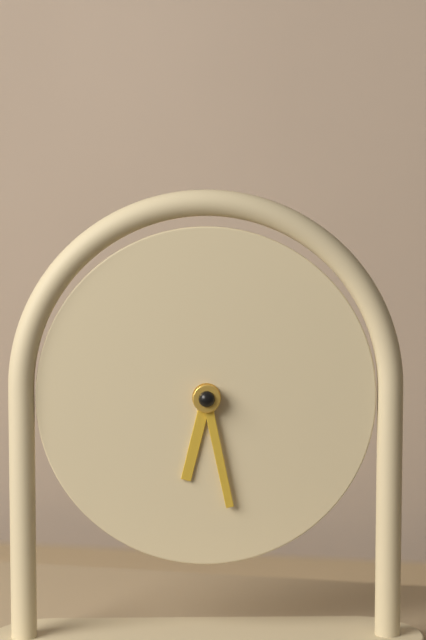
6:28
